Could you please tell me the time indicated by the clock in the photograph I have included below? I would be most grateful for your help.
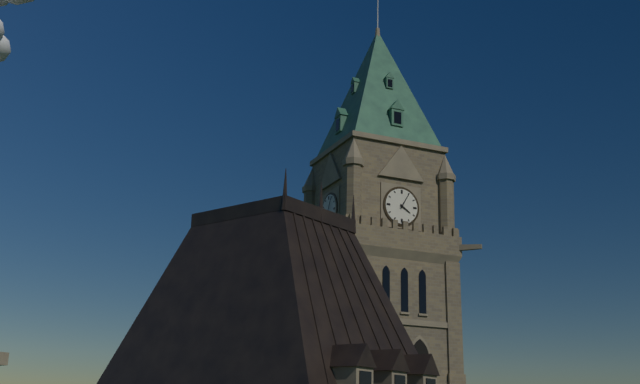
4:05
